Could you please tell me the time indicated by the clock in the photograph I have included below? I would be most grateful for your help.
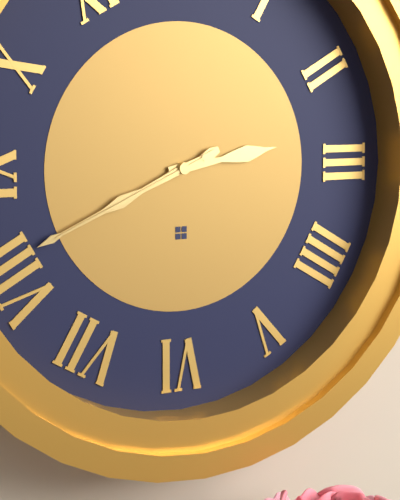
2:41:41
